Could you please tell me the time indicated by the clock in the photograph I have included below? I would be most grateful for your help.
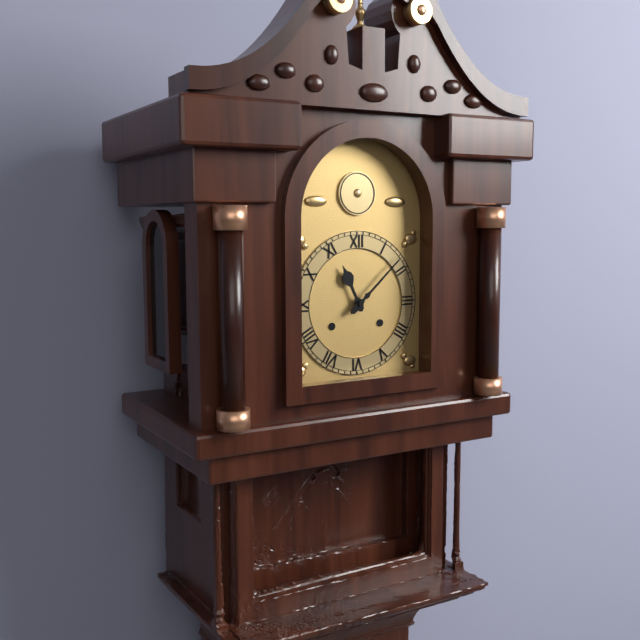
11:08
